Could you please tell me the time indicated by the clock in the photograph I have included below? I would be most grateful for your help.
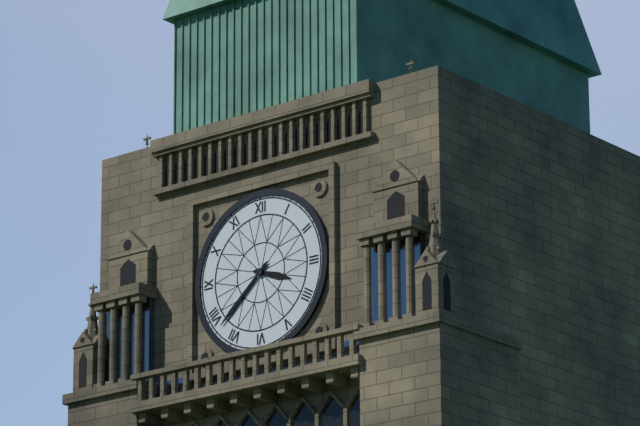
3:38
